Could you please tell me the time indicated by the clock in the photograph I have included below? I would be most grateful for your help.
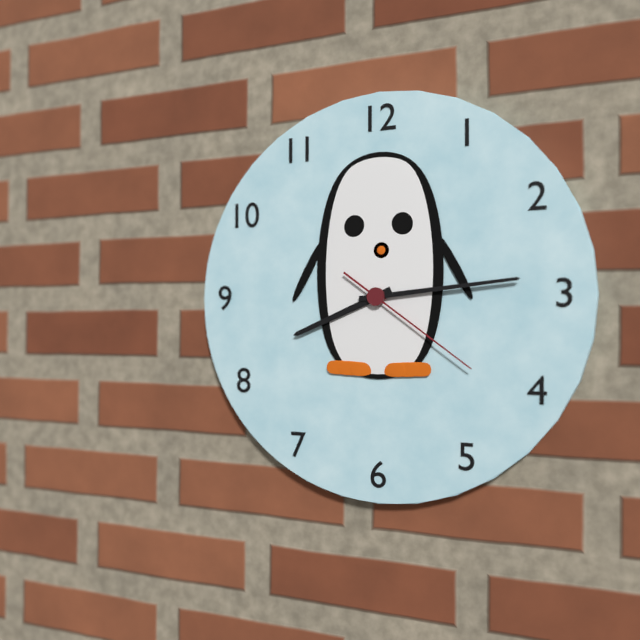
8:14:21
